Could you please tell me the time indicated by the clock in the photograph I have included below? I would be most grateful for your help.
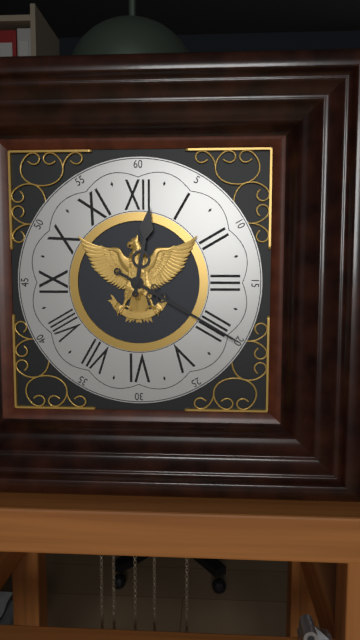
12:20
